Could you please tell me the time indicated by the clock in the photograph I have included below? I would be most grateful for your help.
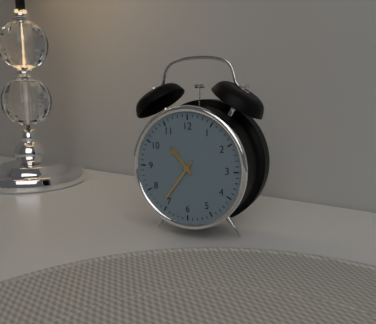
10:36
